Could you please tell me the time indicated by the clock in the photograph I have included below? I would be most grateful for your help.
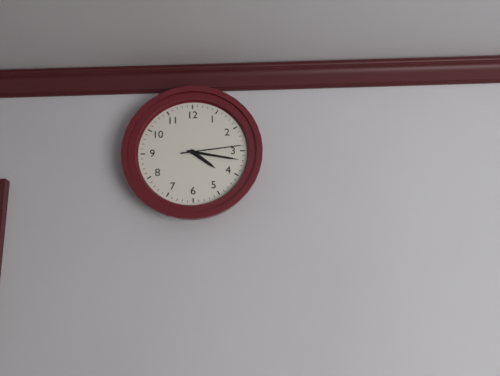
4:17:14
